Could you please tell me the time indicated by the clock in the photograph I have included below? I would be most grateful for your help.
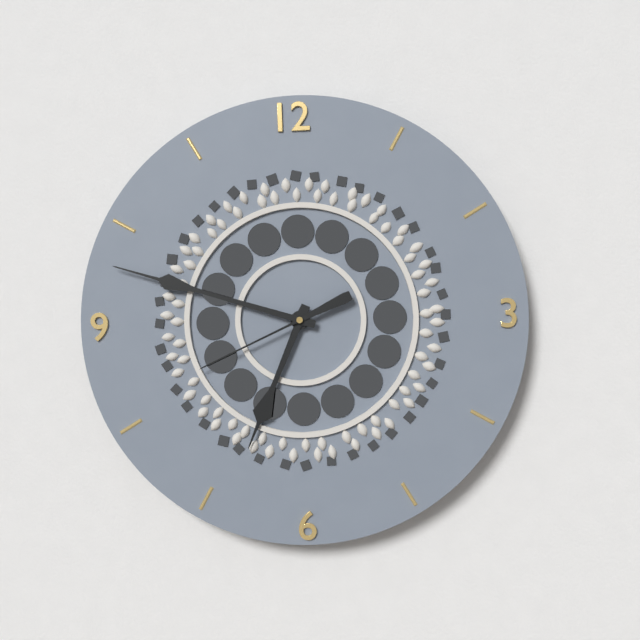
6:48:41
